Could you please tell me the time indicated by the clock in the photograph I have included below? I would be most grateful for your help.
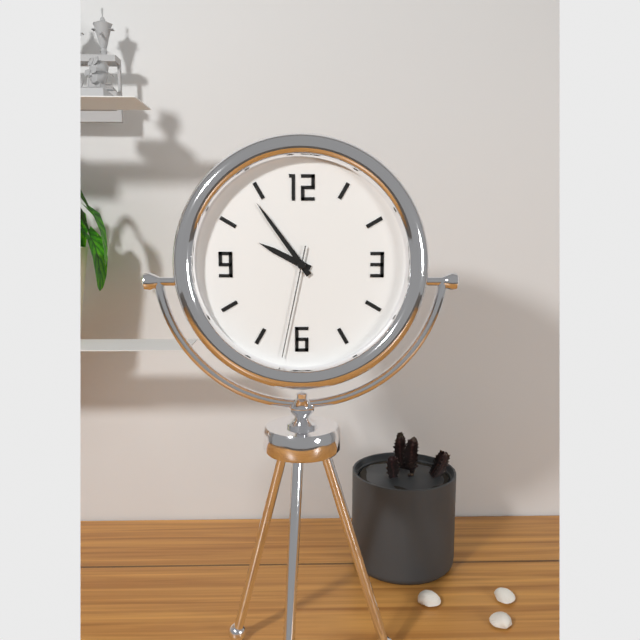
9:54:32
